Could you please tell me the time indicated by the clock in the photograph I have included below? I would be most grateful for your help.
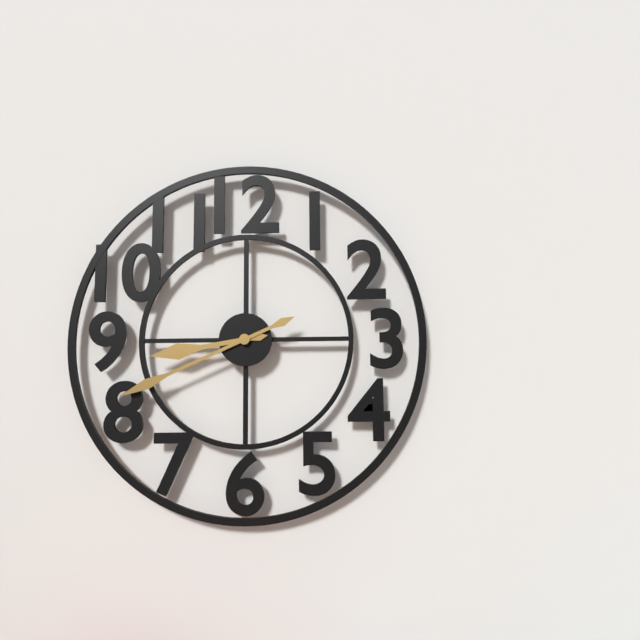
8:41
